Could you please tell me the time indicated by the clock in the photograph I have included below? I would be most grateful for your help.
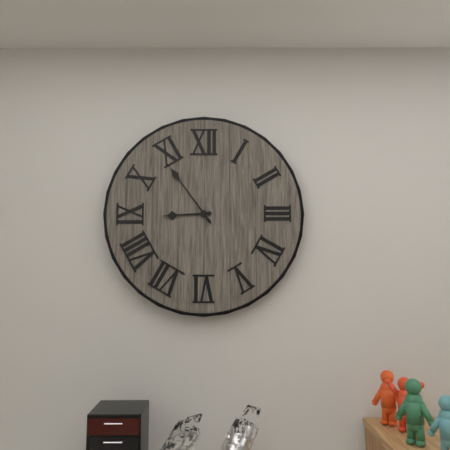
8:54
